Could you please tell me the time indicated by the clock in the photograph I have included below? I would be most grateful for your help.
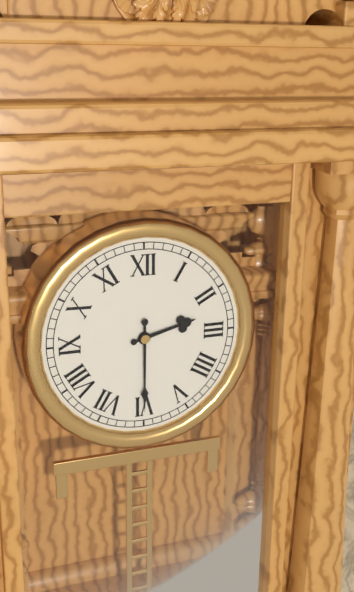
2:30
